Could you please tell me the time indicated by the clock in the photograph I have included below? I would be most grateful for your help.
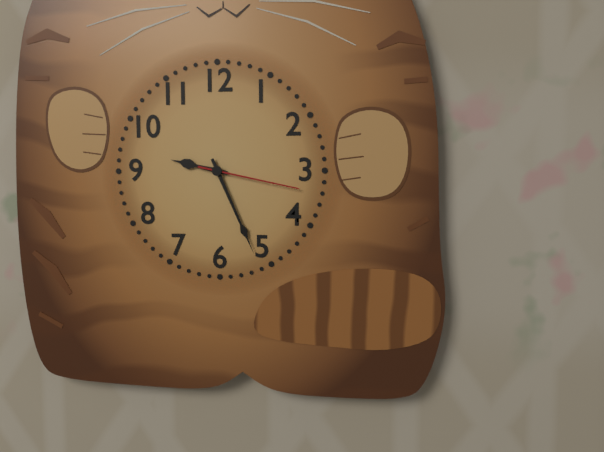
9:26:17
